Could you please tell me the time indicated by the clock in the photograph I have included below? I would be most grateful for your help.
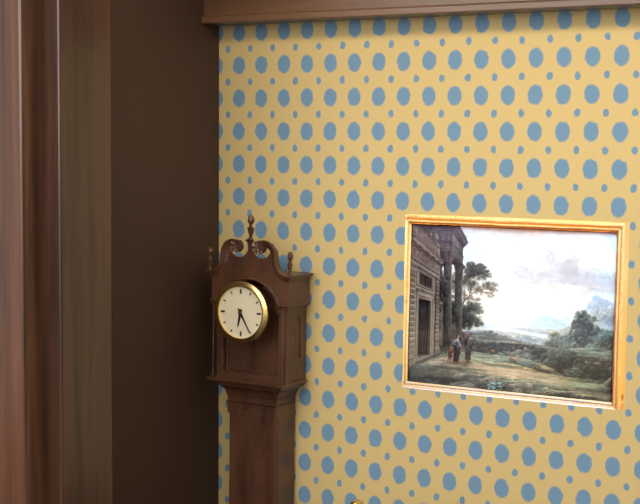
6:25
